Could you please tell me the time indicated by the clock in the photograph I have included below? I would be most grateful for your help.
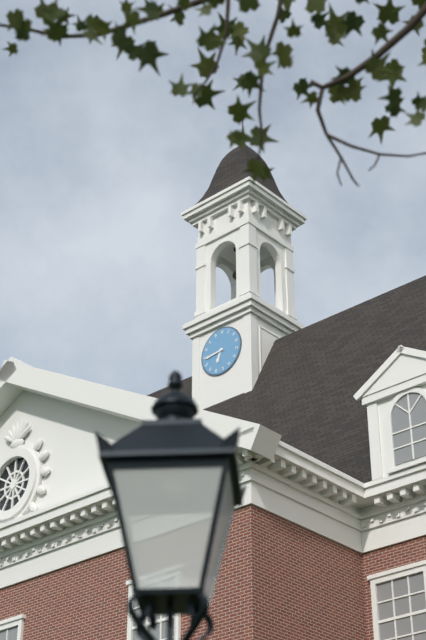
6:44
